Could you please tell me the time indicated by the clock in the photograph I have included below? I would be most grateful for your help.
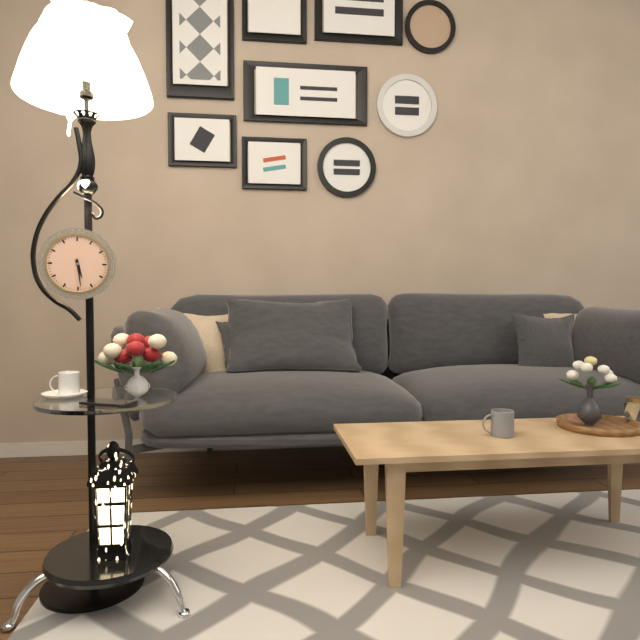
5:29
